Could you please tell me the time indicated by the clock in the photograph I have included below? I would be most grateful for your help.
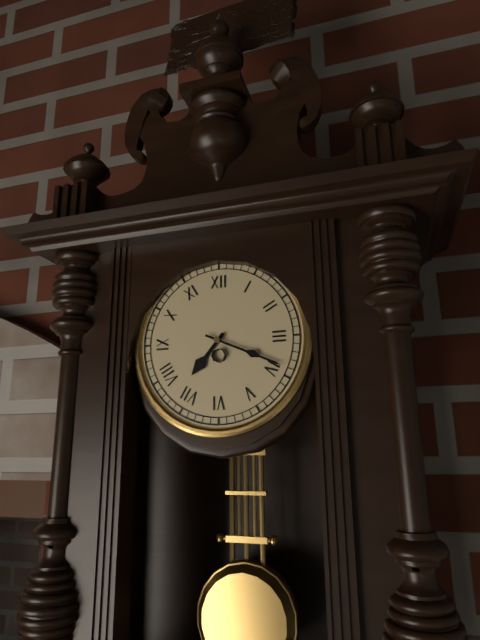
7:19
